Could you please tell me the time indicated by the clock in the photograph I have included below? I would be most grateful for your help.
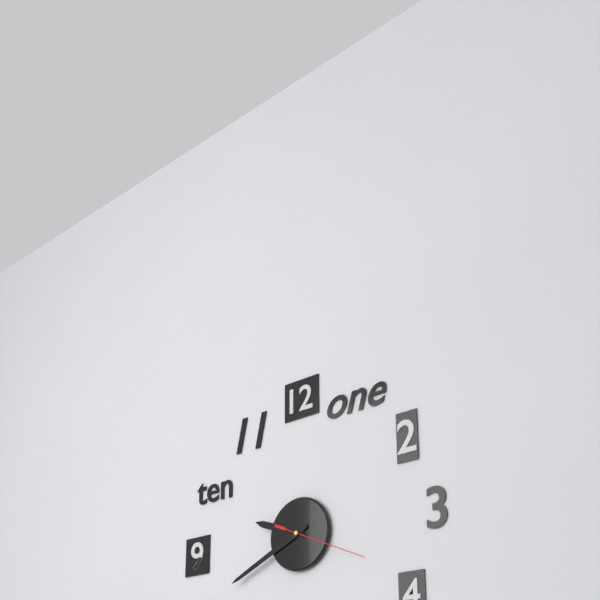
9:41:19
